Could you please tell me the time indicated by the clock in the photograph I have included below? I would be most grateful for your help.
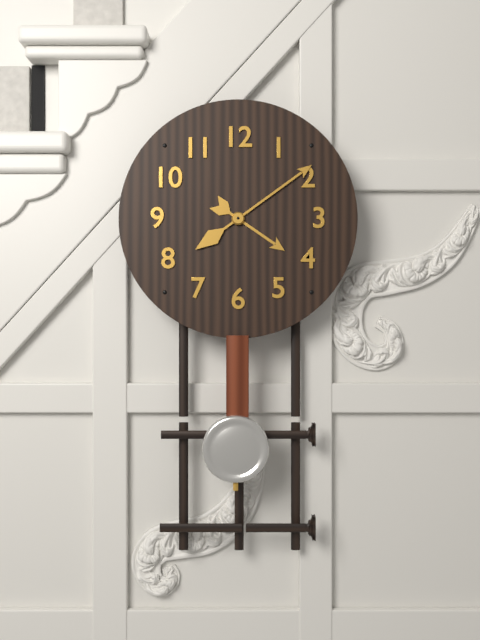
4:09
